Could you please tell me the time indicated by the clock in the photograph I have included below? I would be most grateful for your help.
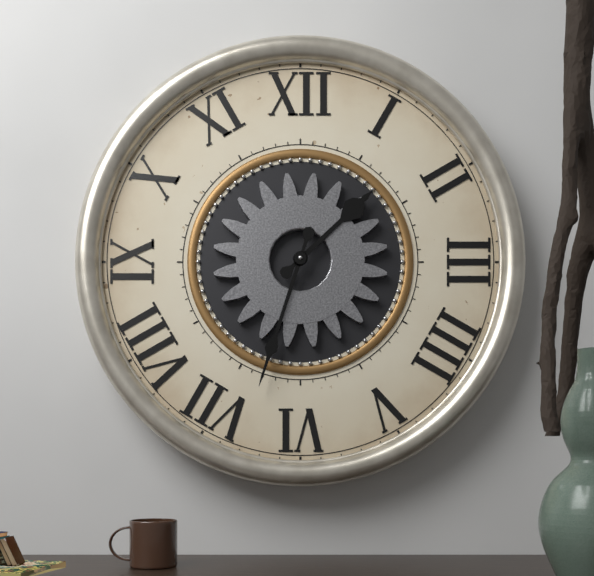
1:33
